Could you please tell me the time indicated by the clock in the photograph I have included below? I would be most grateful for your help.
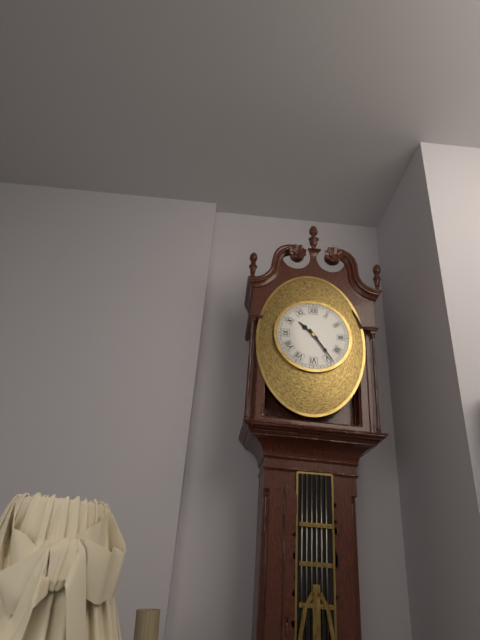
10:24
